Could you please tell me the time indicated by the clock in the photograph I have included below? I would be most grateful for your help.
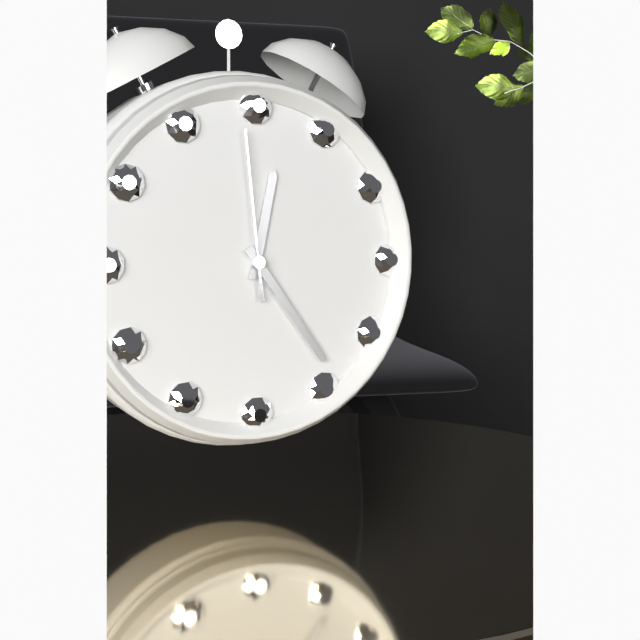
12:24:59
